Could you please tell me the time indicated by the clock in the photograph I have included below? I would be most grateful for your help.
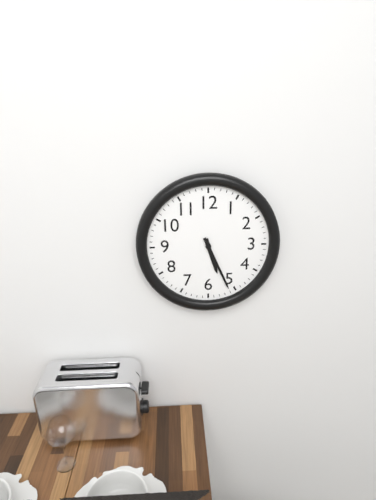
5:26
